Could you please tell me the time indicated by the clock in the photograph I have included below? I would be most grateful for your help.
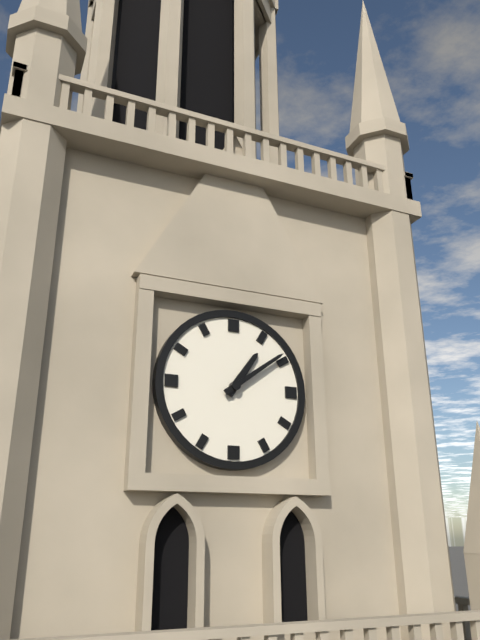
1:09
